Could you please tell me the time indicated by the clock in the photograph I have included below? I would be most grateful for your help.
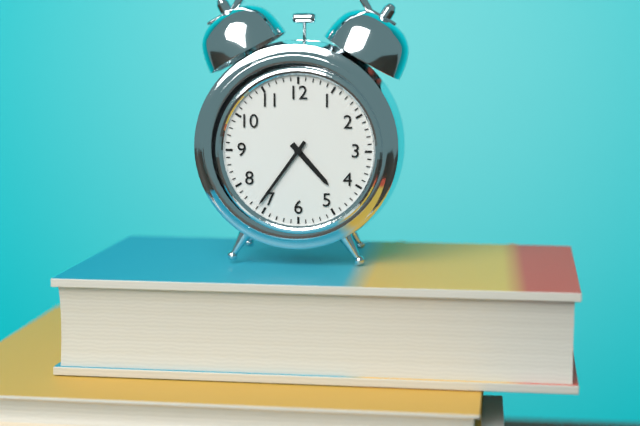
4:36
